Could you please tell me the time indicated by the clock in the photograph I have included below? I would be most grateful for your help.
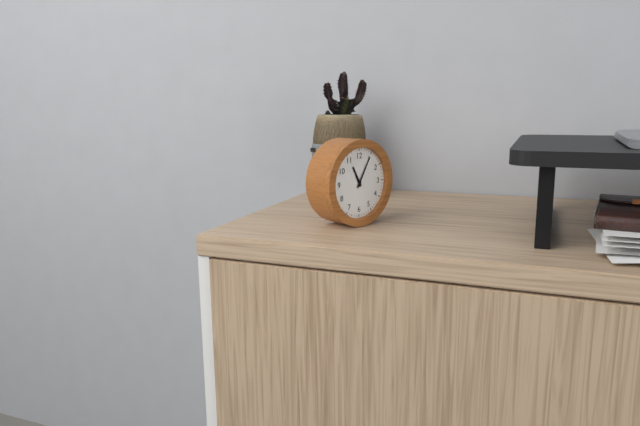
11:05
